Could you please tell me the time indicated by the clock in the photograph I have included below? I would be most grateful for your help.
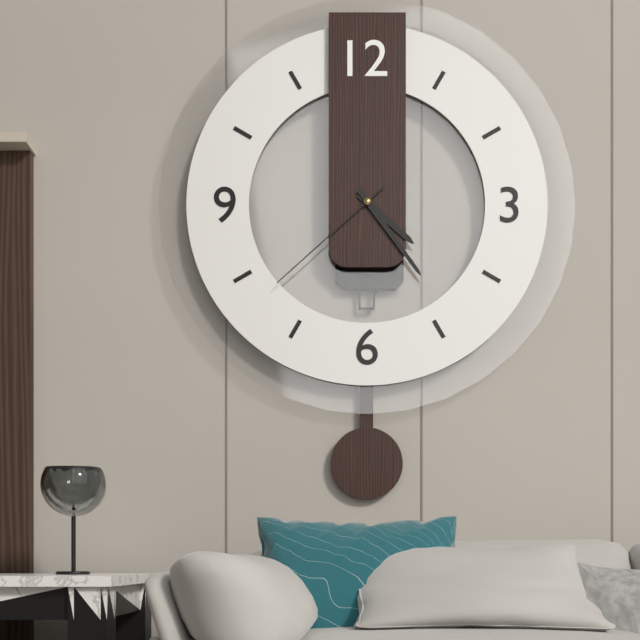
4:24:38
